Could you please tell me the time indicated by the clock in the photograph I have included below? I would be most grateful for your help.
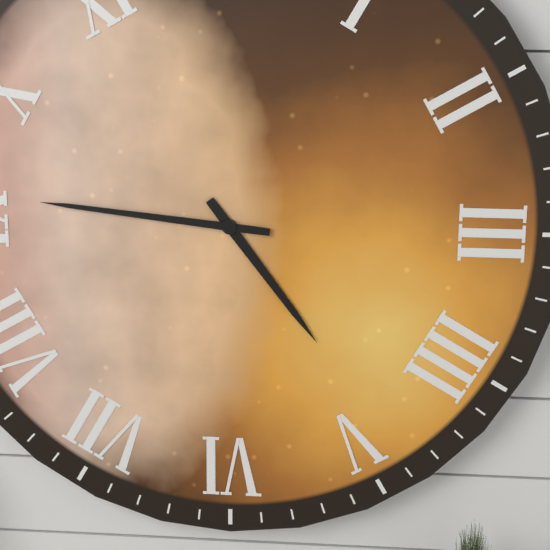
4:46
